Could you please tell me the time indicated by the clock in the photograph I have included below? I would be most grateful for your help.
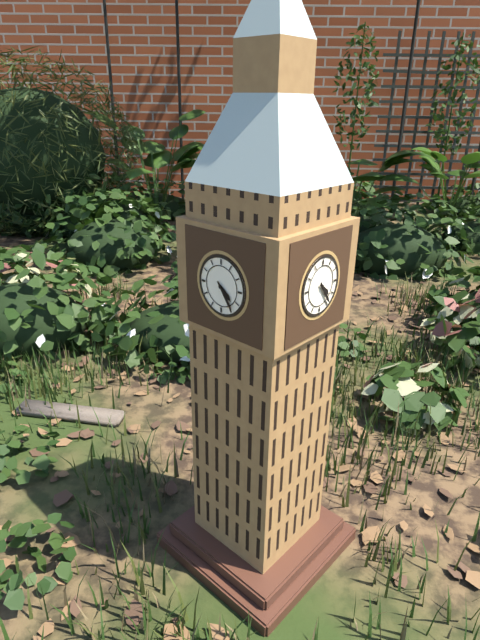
4:24
